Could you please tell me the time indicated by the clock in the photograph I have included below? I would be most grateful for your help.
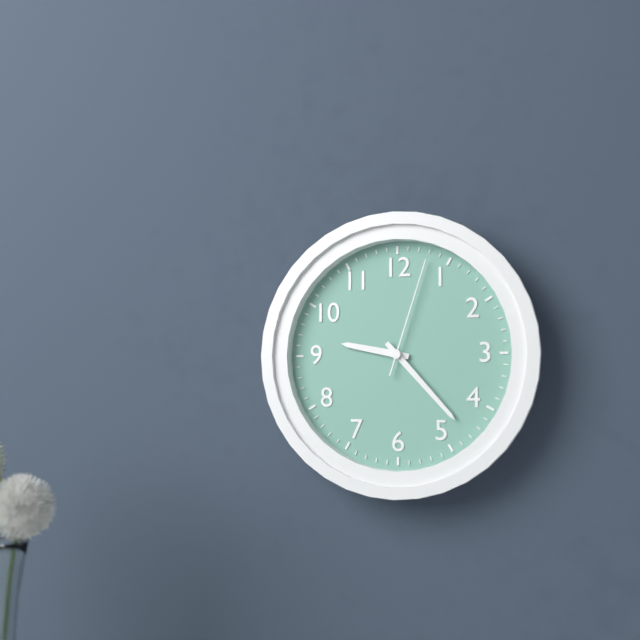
9:23:03
